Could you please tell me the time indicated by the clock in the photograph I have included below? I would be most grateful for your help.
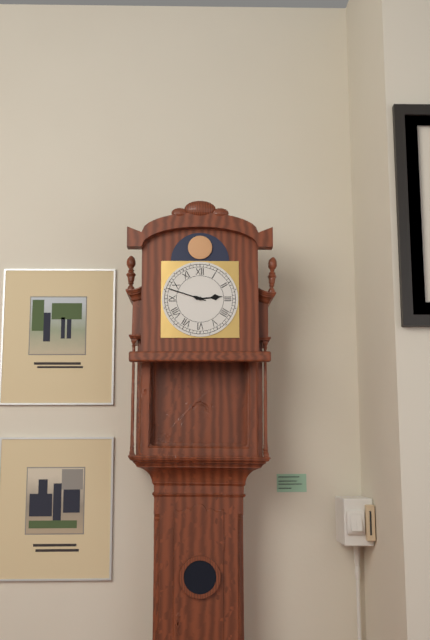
2:48
